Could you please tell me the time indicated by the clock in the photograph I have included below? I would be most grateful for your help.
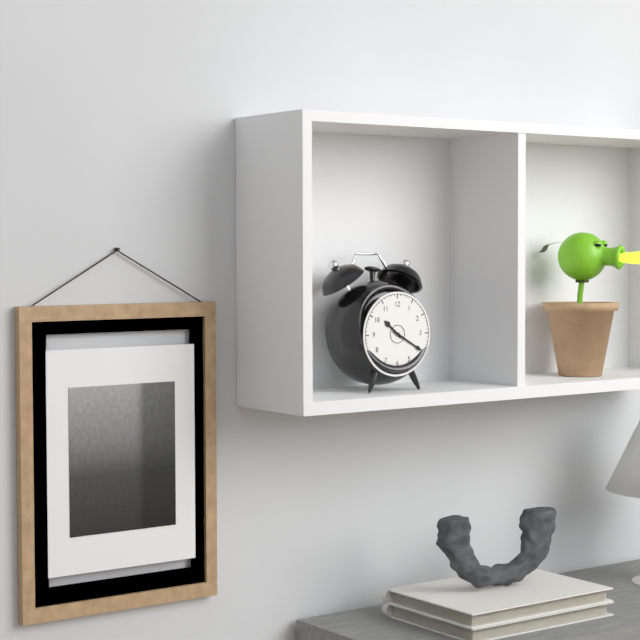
10:20
